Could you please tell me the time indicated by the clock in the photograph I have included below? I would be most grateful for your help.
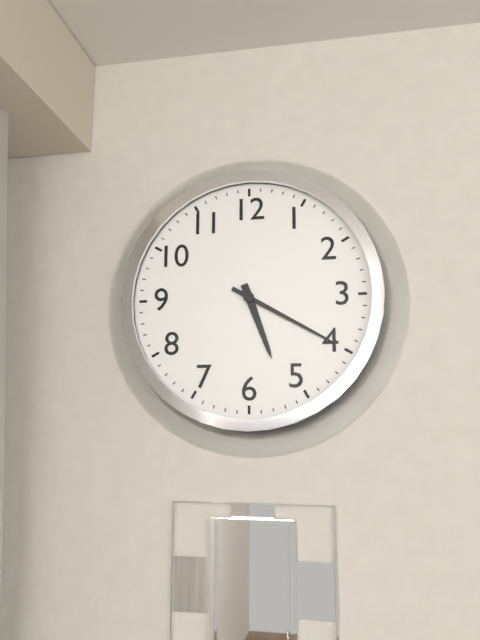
5:20
